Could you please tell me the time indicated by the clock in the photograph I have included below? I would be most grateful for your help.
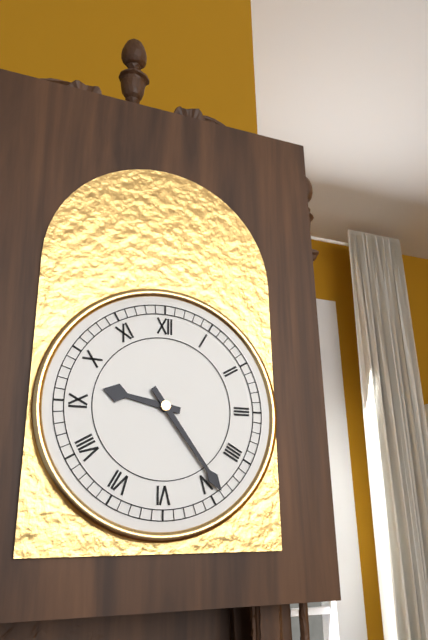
9:24
